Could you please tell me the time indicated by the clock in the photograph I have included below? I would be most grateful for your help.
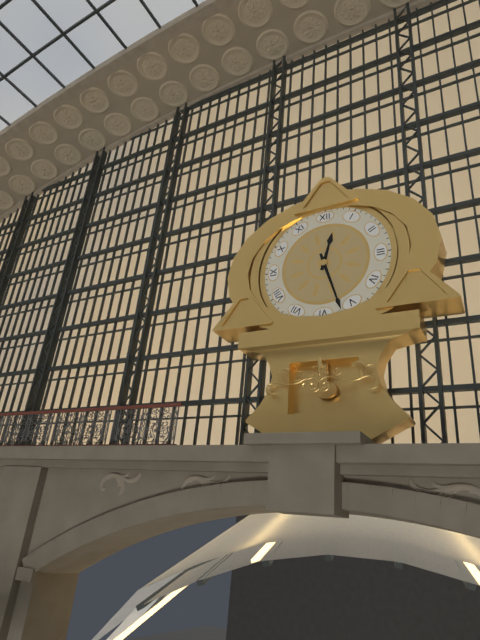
12:27
